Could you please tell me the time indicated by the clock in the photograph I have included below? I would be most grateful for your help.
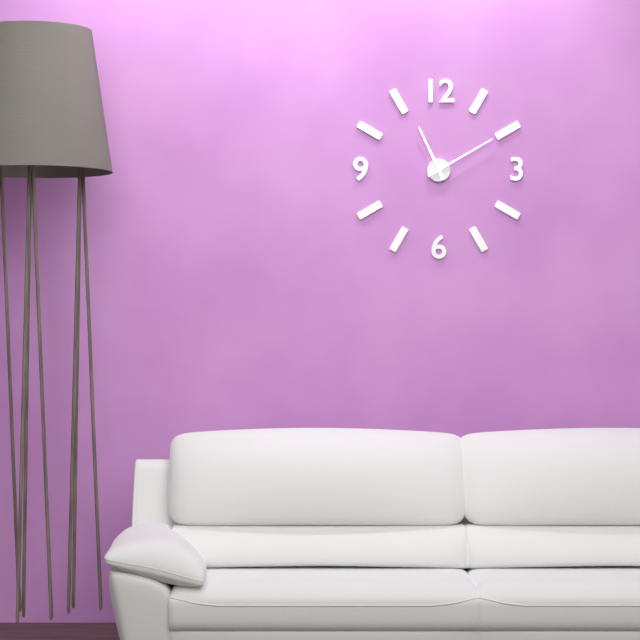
11:10
